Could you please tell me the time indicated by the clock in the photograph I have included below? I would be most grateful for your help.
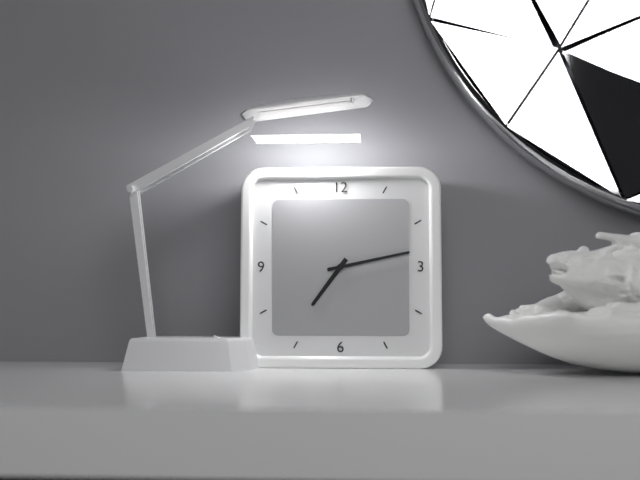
7:13
